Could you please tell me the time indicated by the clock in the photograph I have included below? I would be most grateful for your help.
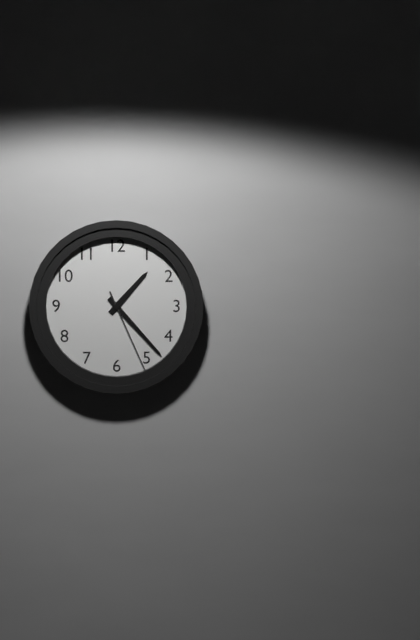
1:23:26
